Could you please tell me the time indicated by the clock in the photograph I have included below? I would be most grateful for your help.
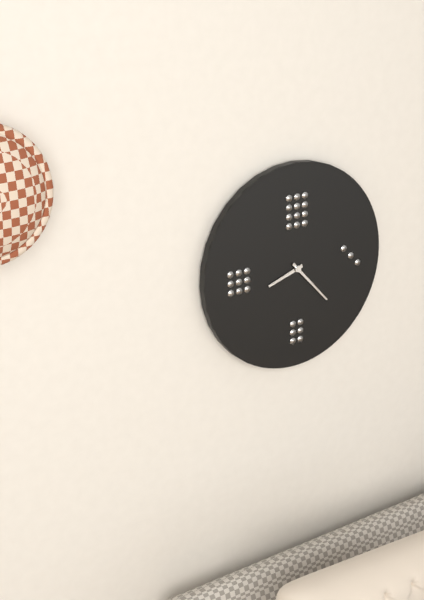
8:23
